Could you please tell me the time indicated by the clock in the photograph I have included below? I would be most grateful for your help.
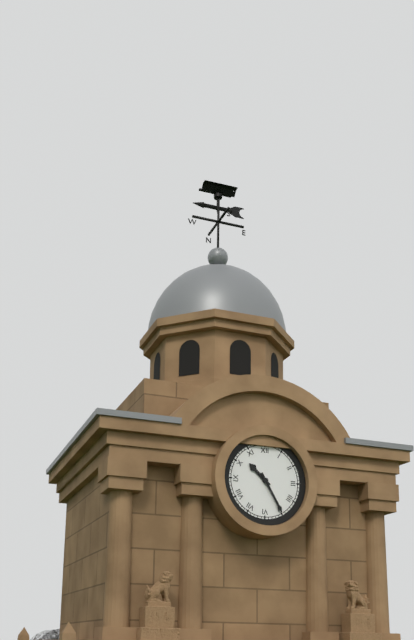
10:25
